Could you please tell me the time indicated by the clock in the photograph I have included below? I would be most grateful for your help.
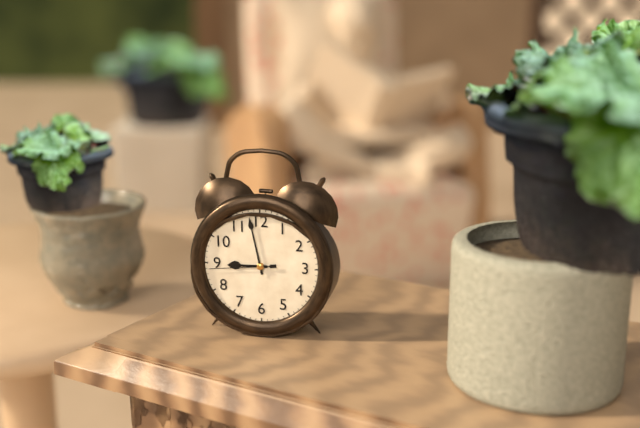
8:58:44
